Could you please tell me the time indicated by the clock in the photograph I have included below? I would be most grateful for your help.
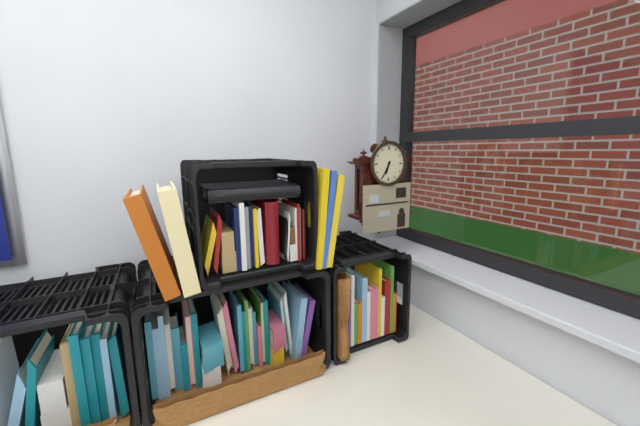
6:35
